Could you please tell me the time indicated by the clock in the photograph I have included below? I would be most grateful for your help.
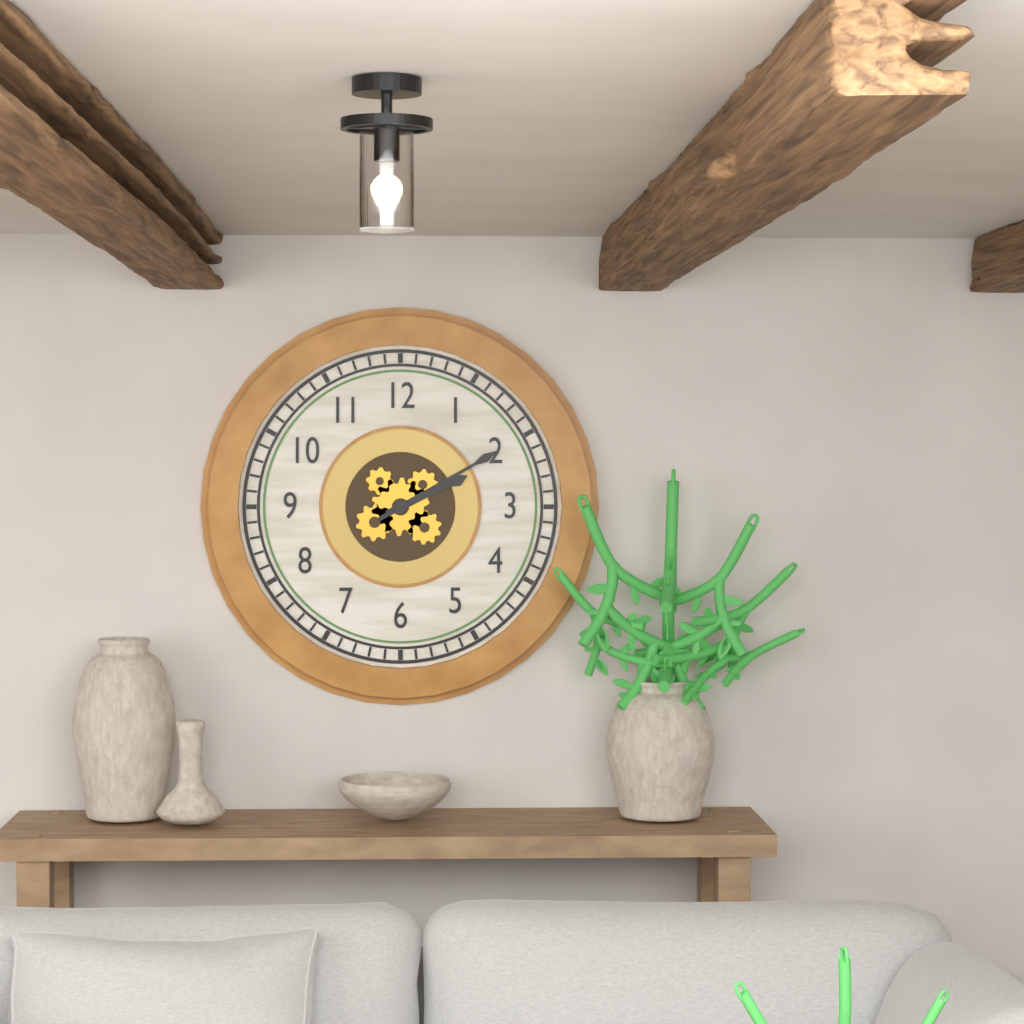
2:10
